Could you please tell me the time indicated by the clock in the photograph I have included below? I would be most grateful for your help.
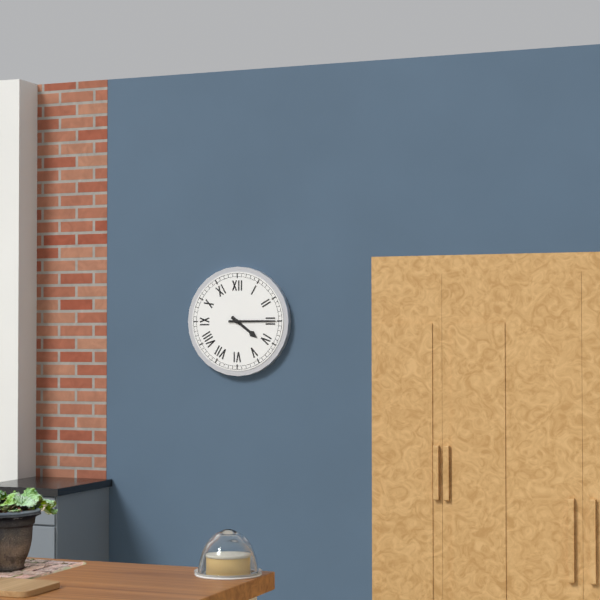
4:15
